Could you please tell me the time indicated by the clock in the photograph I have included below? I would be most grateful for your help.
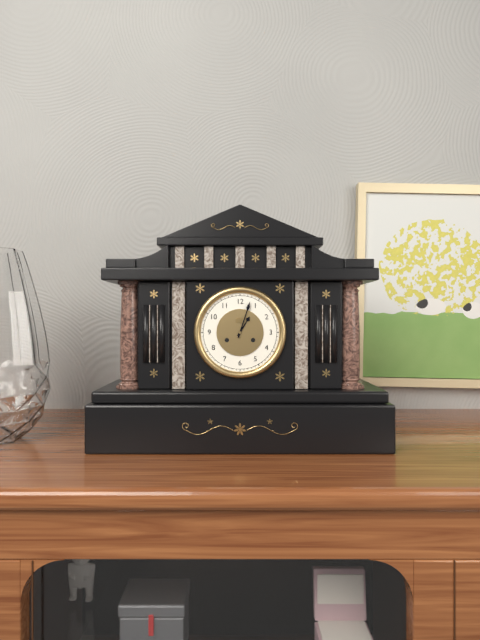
1:03
